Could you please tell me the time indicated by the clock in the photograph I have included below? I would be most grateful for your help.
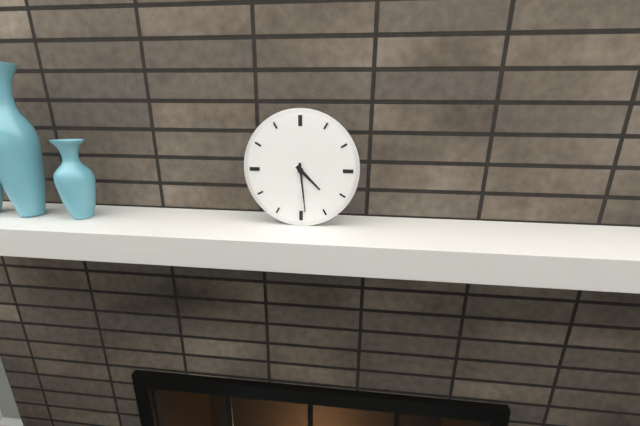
4:29
